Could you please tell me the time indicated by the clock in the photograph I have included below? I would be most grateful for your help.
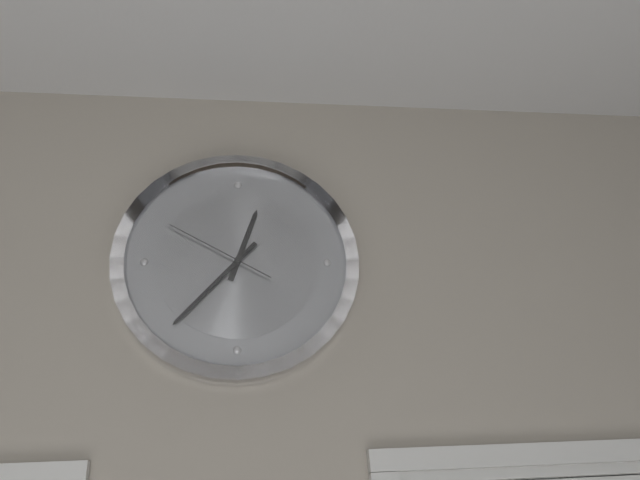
12:37:50
